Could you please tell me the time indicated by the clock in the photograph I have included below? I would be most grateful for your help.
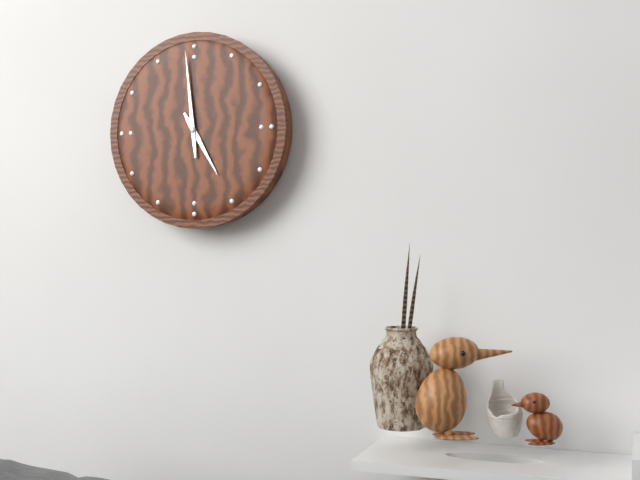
4:59
